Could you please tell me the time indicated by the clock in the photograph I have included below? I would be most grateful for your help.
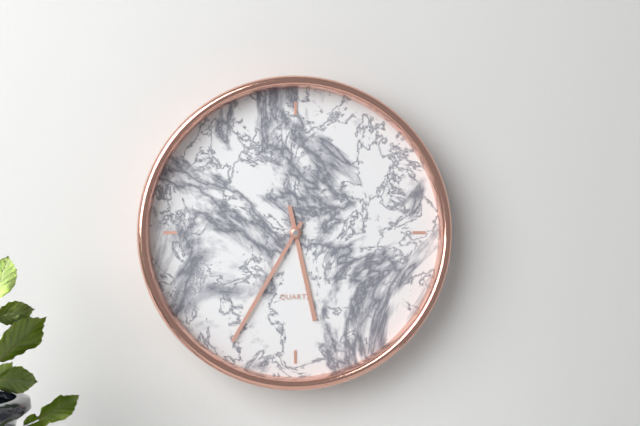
5:35
